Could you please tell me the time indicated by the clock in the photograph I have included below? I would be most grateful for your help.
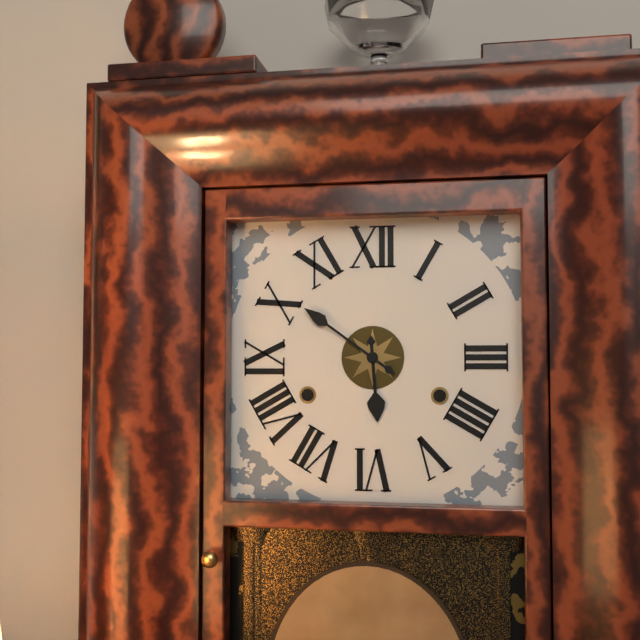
5:51
